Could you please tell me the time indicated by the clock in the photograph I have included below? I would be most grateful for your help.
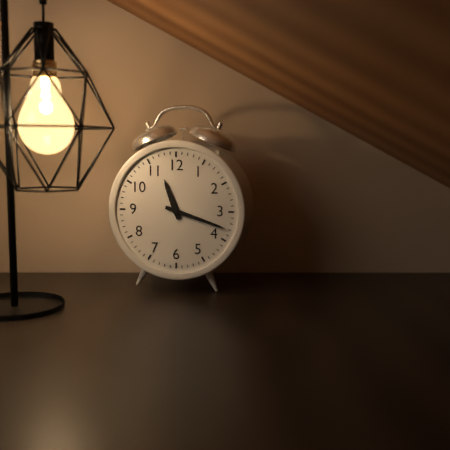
11:18
